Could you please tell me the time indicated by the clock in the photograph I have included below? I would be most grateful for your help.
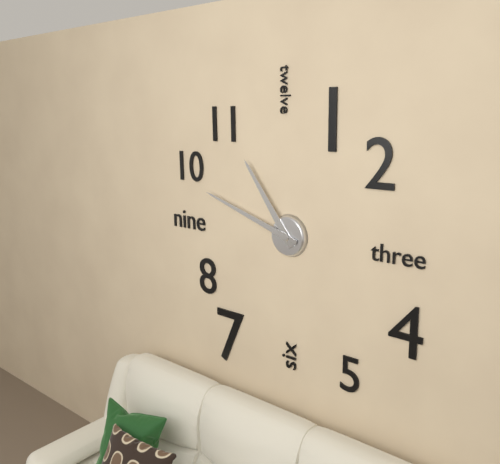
10:48
